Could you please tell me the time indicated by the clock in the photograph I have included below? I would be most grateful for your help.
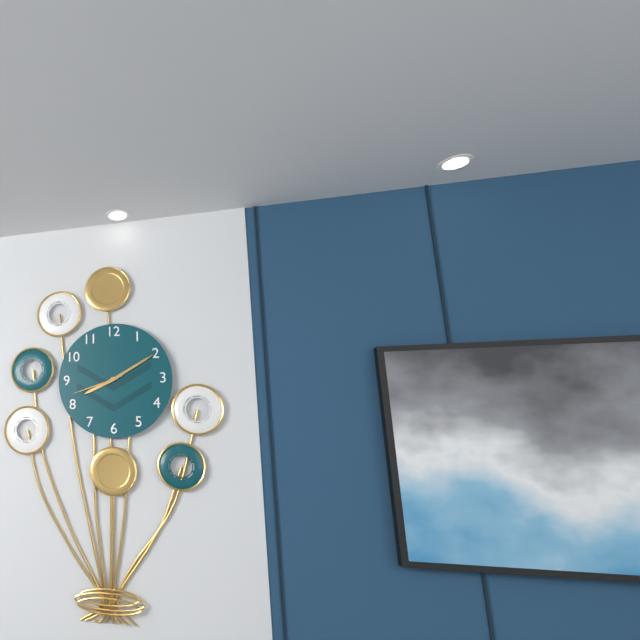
8:10:42
